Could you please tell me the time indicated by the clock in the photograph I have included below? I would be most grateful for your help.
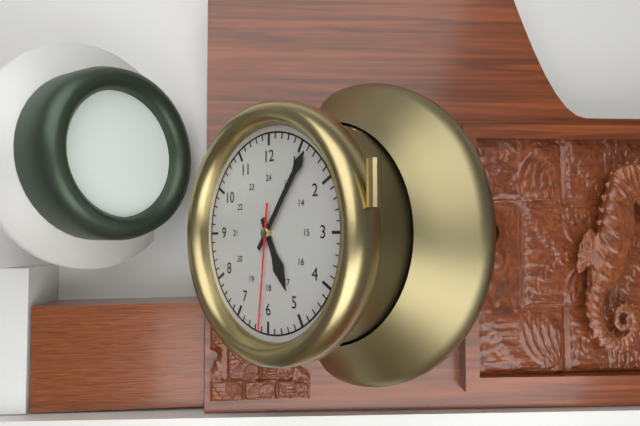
5:06:31
